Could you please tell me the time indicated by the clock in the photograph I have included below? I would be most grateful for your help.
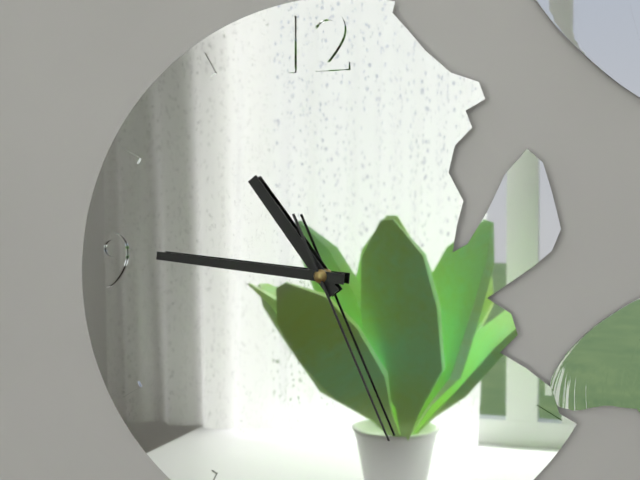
10:46:26
